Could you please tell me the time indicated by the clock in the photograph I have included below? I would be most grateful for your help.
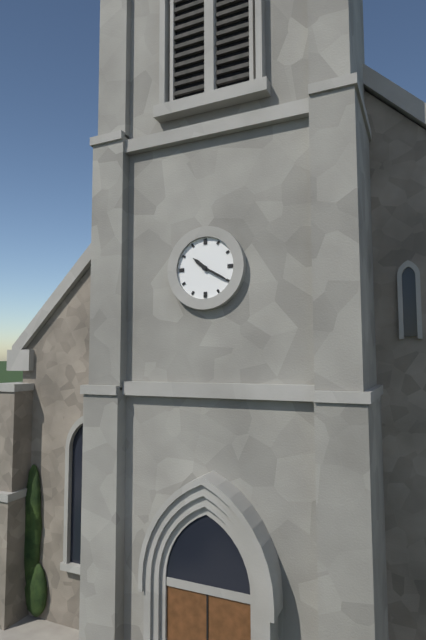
10:20
